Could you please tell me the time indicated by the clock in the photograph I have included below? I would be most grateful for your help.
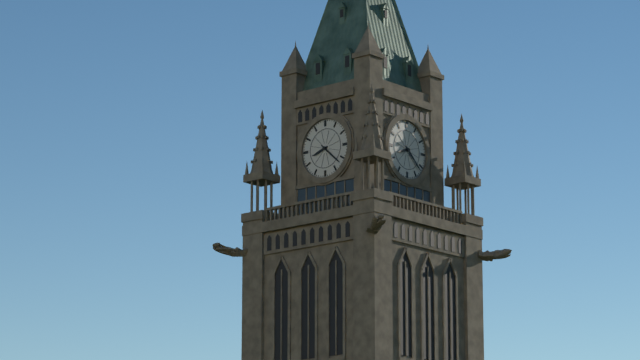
8:22
